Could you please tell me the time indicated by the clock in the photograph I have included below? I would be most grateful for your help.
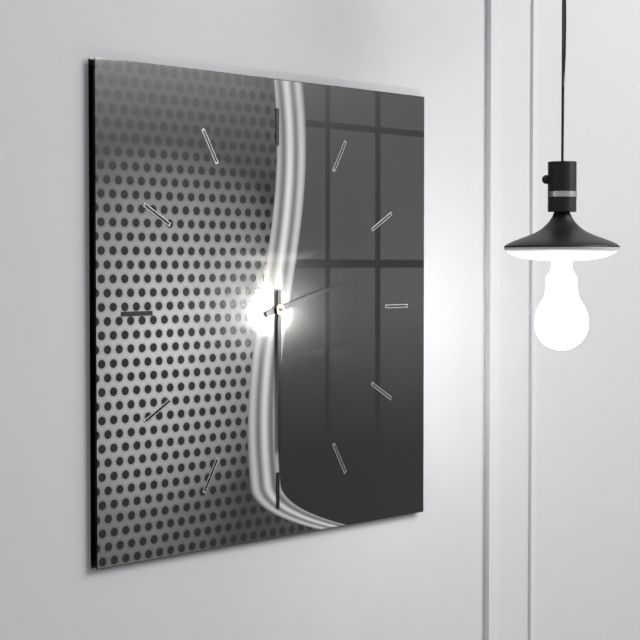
2:30
